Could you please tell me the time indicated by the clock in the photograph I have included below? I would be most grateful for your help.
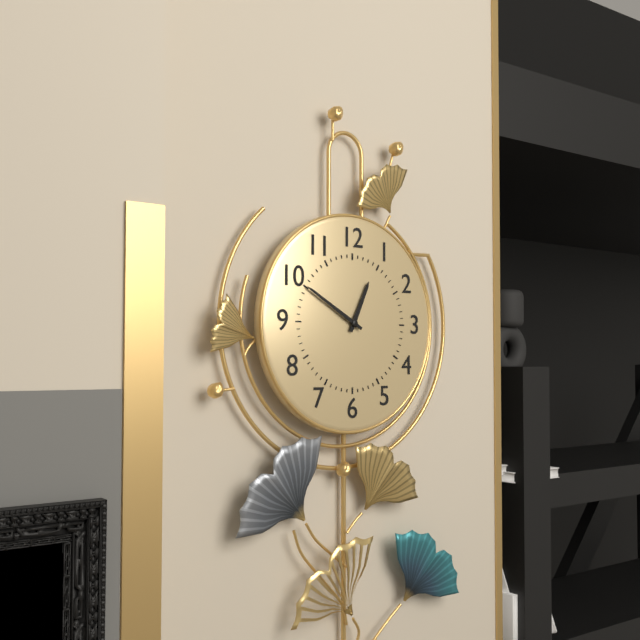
12:50
